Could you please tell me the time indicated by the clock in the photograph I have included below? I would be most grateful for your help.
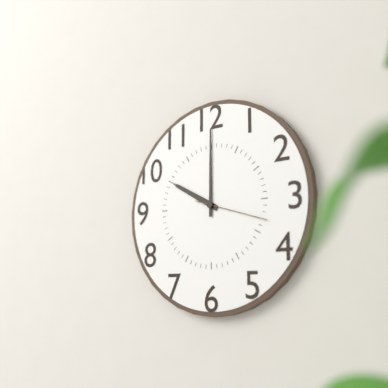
10:00:18
